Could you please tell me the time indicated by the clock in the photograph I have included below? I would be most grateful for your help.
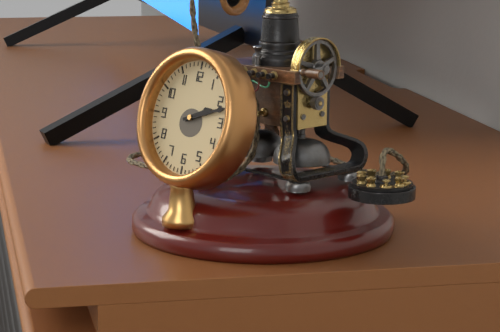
2:12
